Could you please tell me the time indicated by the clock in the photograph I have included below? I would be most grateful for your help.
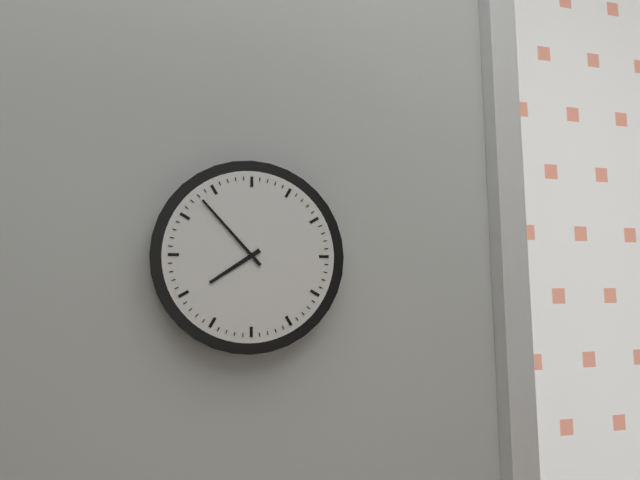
7:53
